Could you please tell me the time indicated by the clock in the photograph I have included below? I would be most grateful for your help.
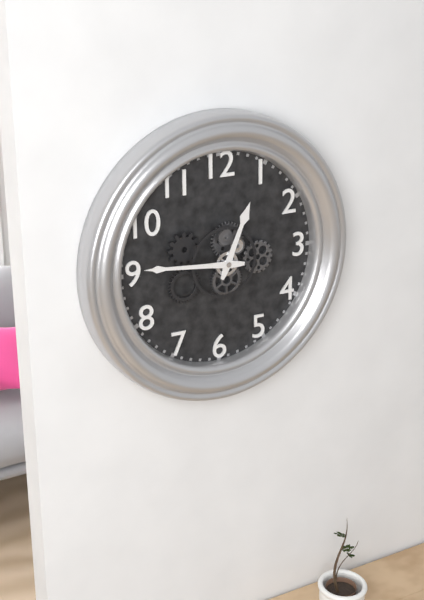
12:46
